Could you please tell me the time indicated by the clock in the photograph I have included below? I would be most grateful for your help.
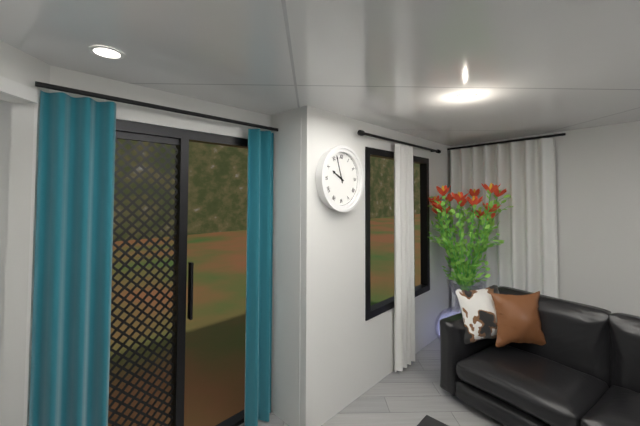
9:57
